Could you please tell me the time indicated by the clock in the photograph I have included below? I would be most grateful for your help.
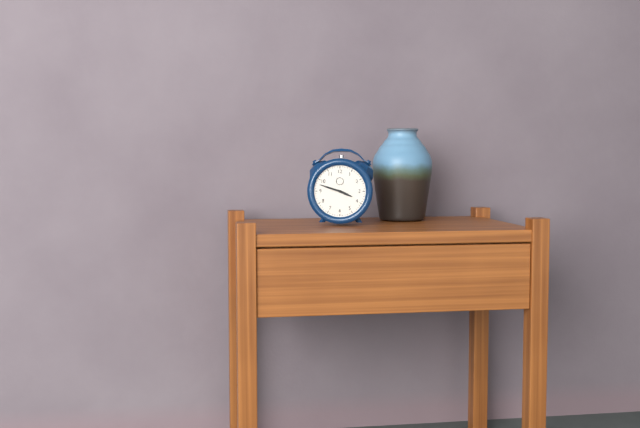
3:48
